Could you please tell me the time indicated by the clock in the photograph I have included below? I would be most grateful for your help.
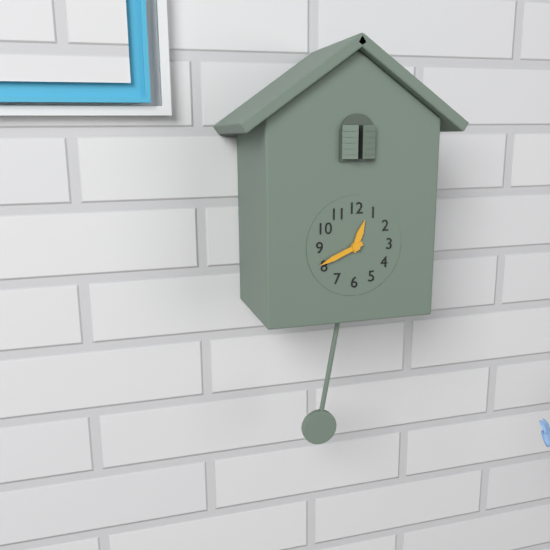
12:41
